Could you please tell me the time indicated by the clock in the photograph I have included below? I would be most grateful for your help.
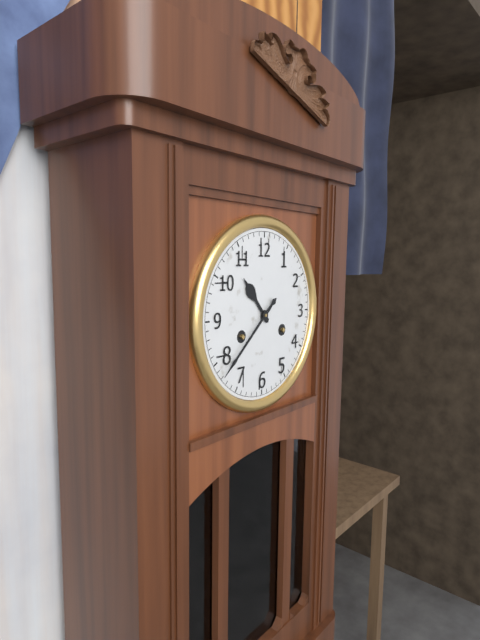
10:38
